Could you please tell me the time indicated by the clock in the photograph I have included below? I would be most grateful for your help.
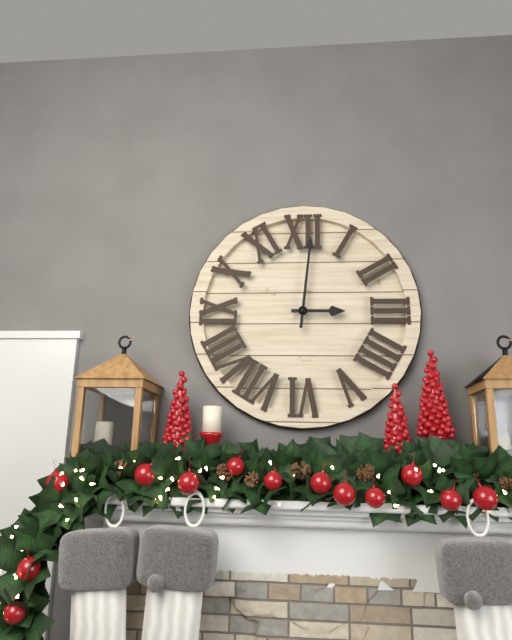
3:01
